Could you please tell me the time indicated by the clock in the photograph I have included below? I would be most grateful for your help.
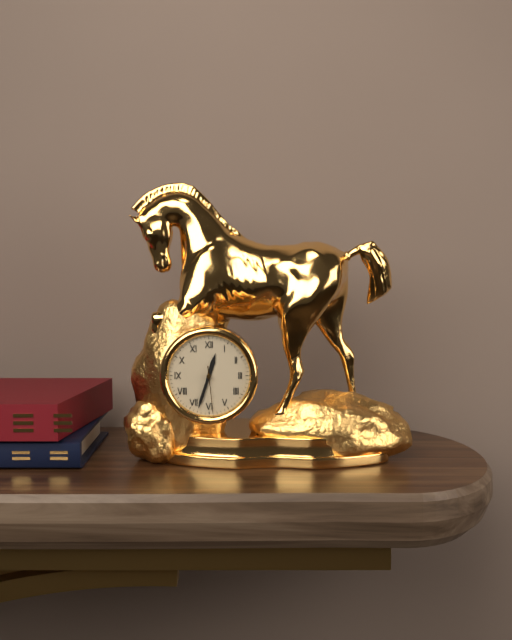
12:33
